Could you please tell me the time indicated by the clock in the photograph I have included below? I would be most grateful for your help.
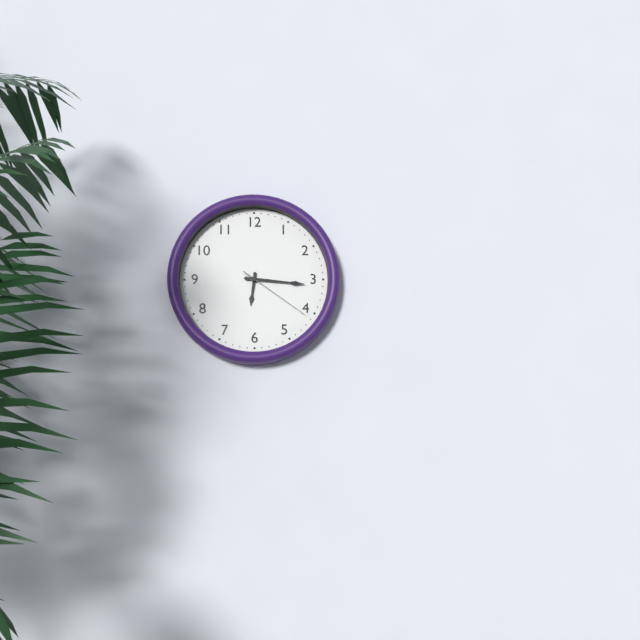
6:16:21
